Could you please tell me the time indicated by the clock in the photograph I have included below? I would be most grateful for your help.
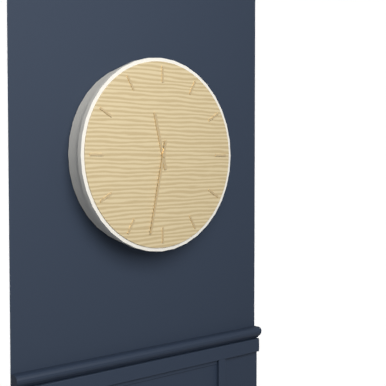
11:32
